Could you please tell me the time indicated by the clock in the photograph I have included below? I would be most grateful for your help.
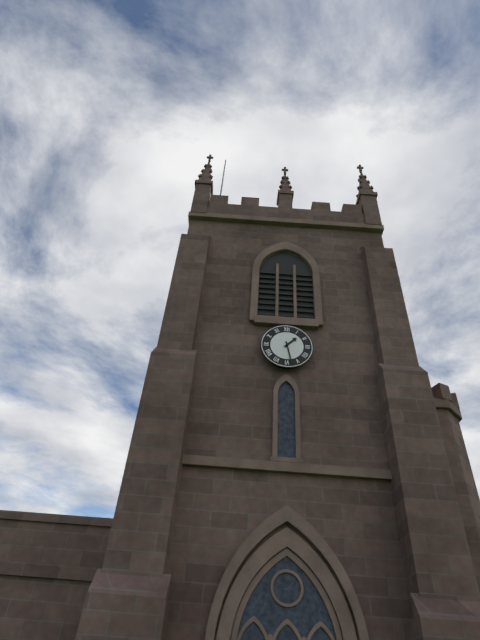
1:28
